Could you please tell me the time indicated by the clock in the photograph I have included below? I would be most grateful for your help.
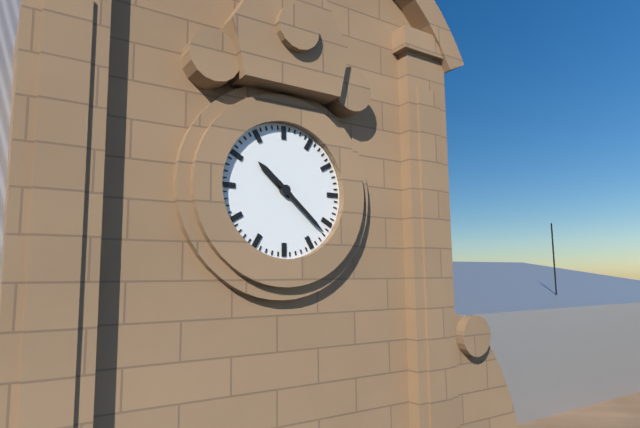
10:22
